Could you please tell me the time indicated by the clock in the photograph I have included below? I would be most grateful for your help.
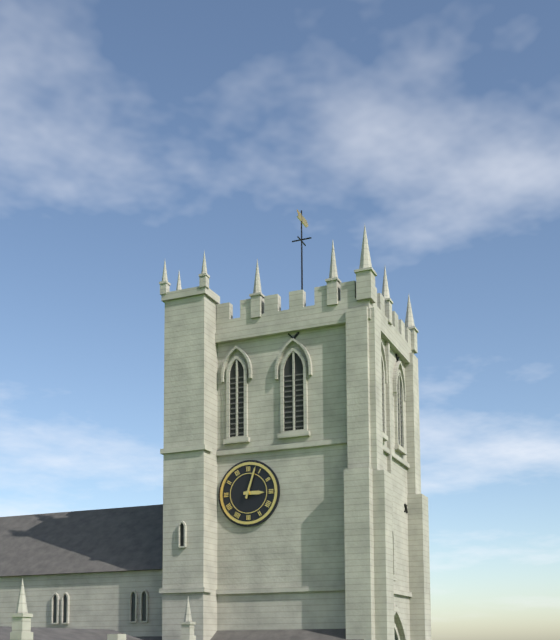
3:03
